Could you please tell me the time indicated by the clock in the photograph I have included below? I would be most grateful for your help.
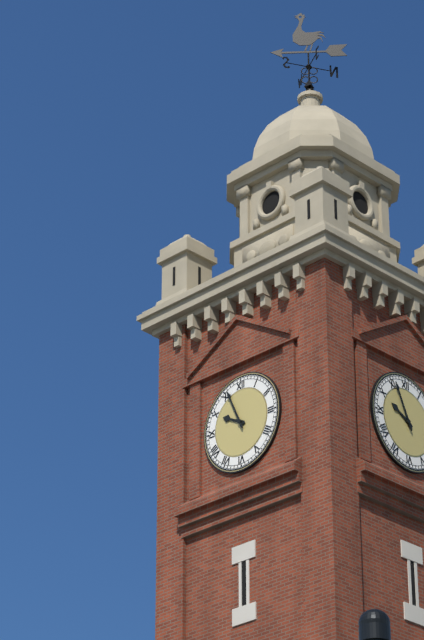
9:56
